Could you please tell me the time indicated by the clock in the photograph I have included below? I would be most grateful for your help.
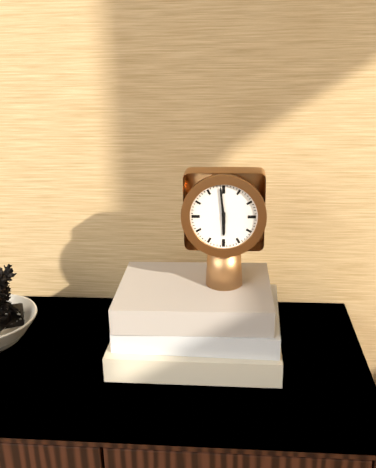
5:59
